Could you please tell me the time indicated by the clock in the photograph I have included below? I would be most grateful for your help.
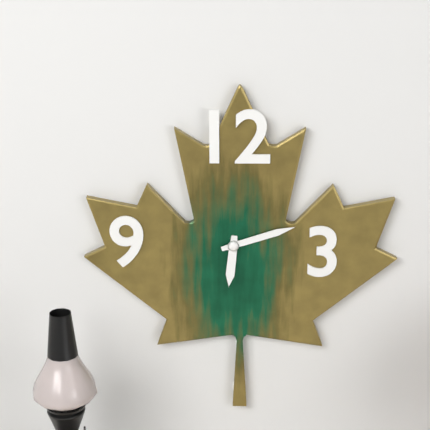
6:12
